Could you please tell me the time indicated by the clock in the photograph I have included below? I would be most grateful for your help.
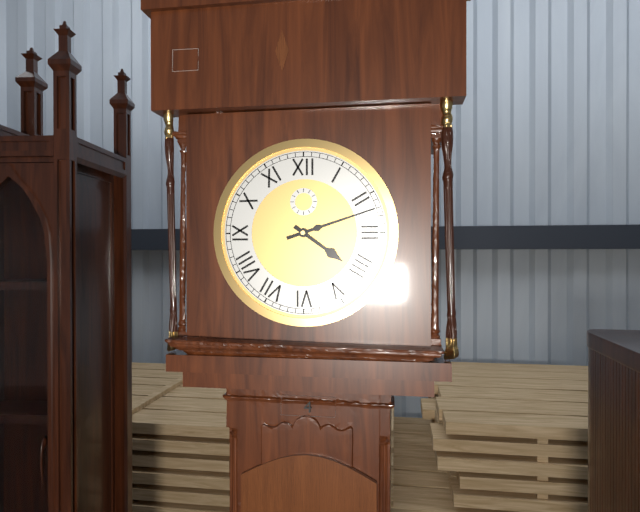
4:12
